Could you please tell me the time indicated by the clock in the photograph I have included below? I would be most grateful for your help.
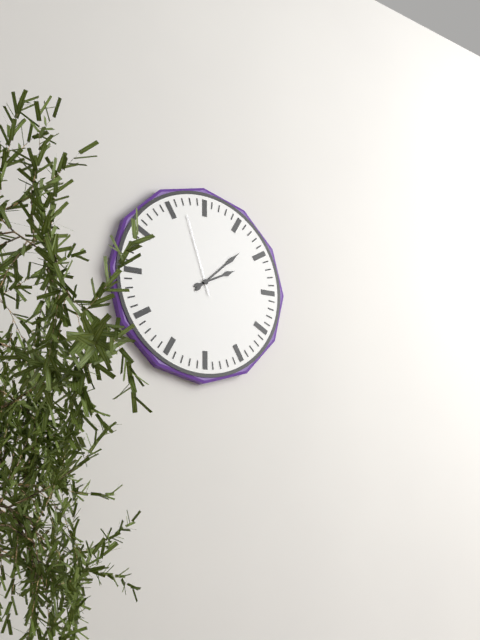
2:08:57
